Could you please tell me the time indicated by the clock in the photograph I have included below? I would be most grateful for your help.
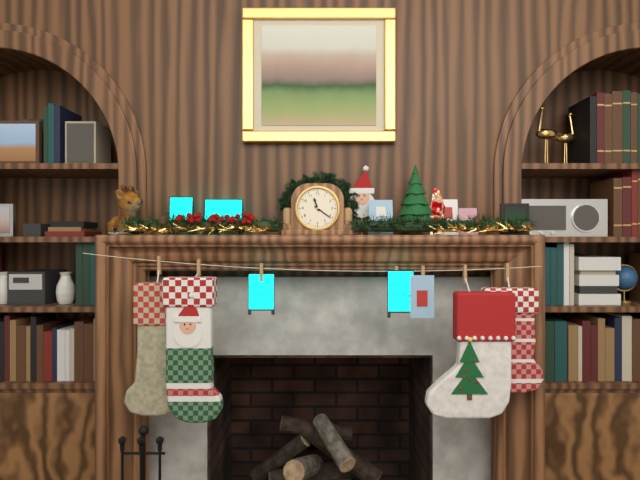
11:21
